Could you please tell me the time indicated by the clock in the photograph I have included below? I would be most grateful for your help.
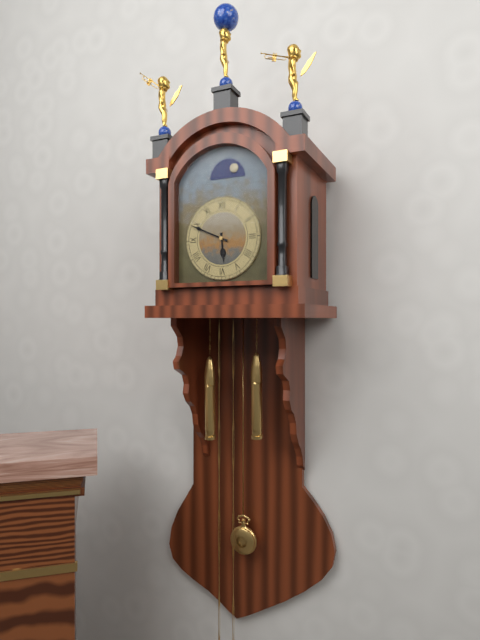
5:49
